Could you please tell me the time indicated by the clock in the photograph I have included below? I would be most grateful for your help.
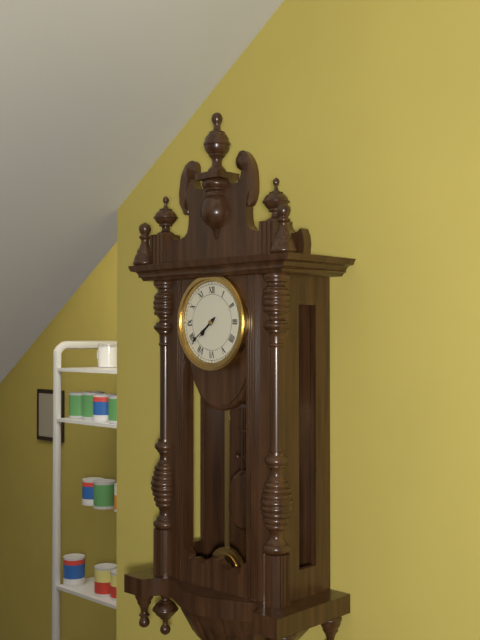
7:39
